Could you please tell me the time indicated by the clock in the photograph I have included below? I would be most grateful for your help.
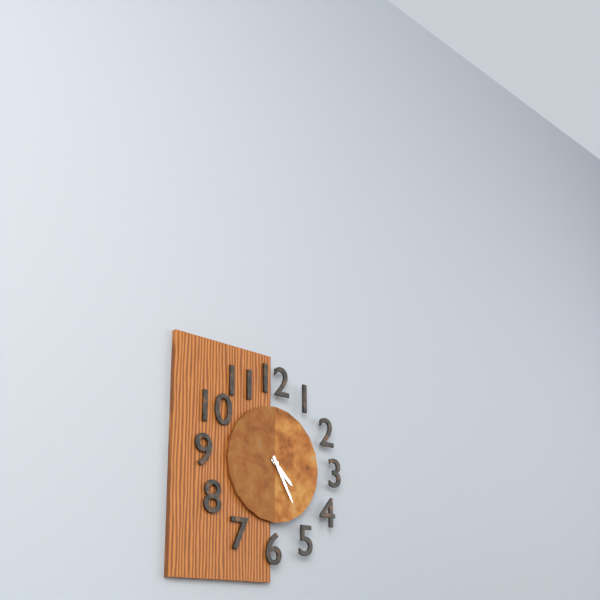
4:25
